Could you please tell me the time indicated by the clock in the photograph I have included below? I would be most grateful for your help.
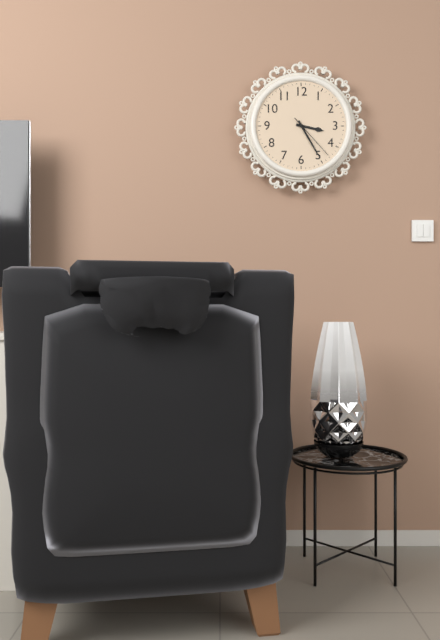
3:25:23
